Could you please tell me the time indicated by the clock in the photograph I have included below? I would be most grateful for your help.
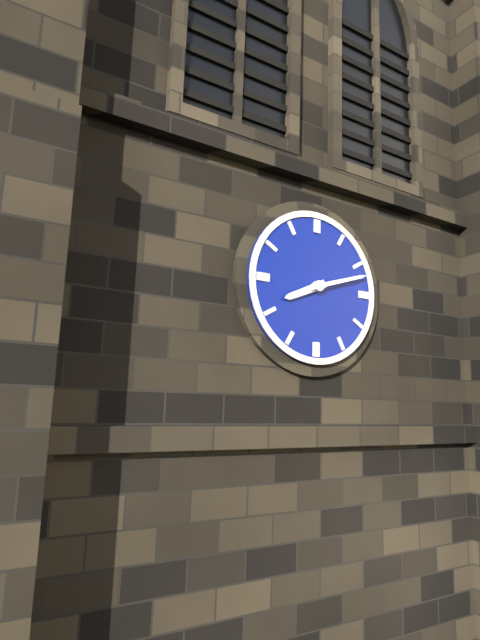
8:12
